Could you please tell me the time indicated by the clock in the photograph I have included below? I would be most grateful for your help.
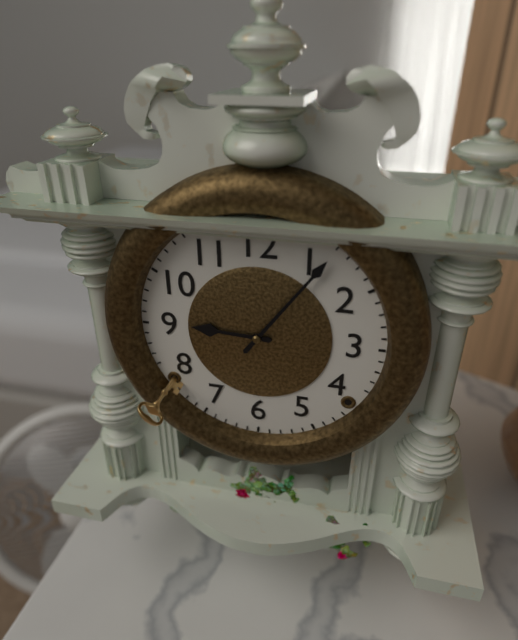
9:06
